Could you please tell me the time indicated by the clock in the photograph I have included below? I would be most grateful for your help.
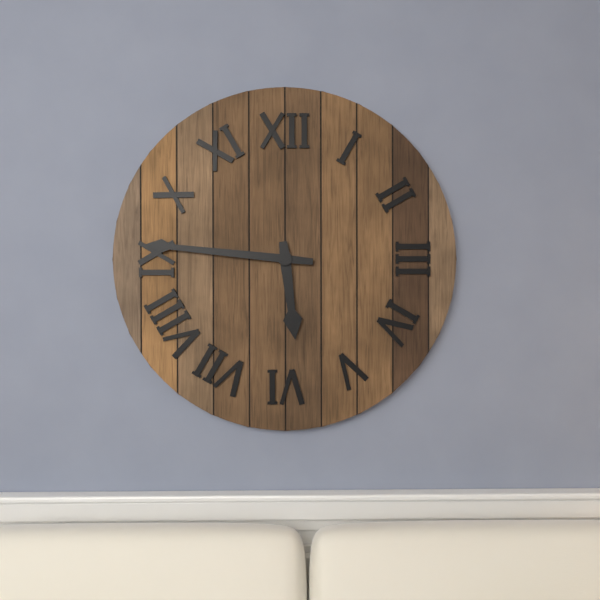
5:46
